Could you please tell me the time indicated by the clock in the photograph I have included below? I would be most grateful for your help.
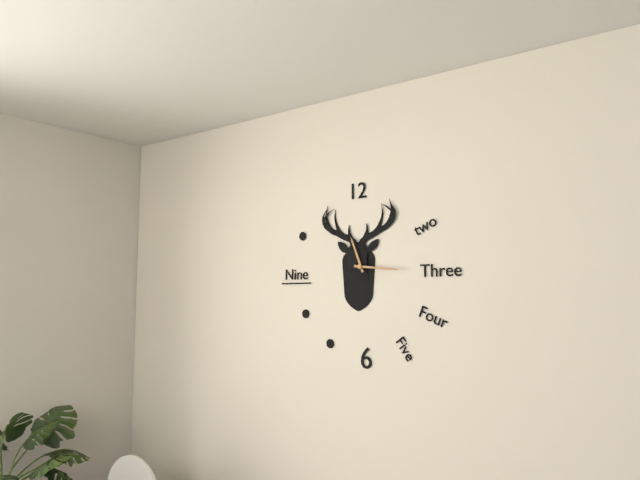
11:16
